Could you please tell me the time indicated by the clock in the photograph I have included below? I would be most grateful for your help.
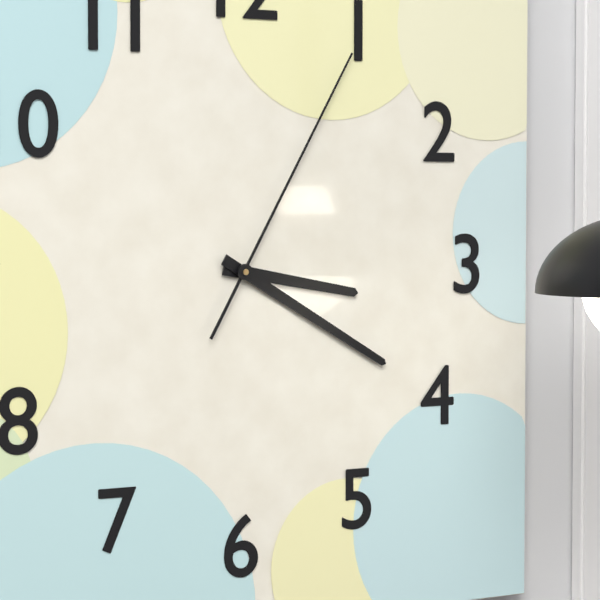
3:20:05
